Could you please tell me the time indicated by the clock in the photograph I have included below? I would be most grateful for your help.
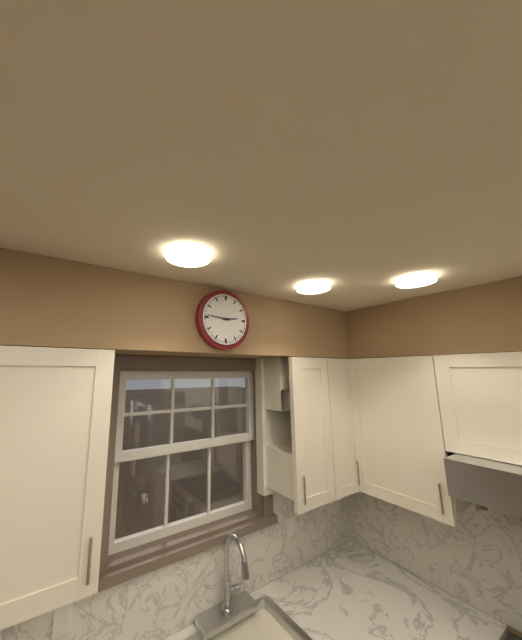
2:46
